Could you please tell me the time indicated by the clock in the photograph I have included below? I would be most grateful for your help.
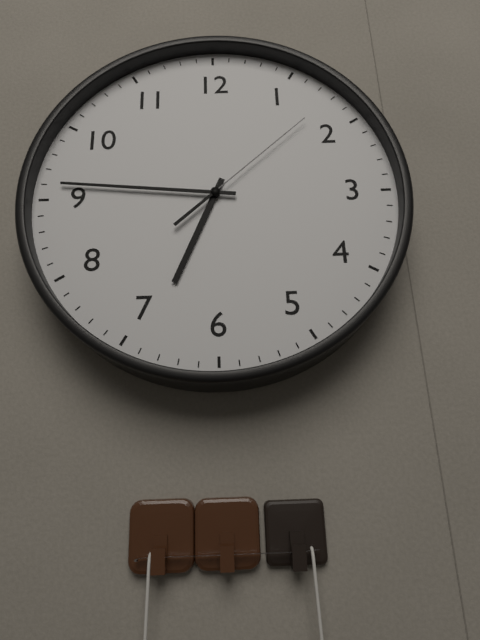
6:46:08
